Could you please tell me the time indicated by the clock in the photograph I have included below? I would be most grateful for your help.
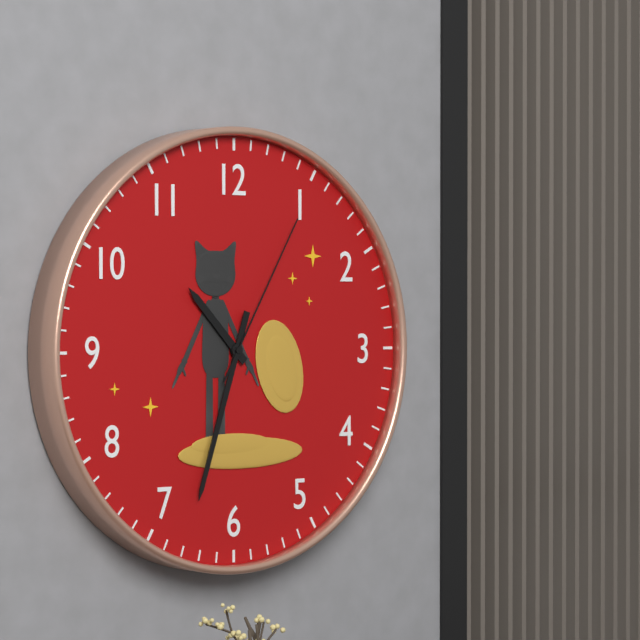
10:33:05
